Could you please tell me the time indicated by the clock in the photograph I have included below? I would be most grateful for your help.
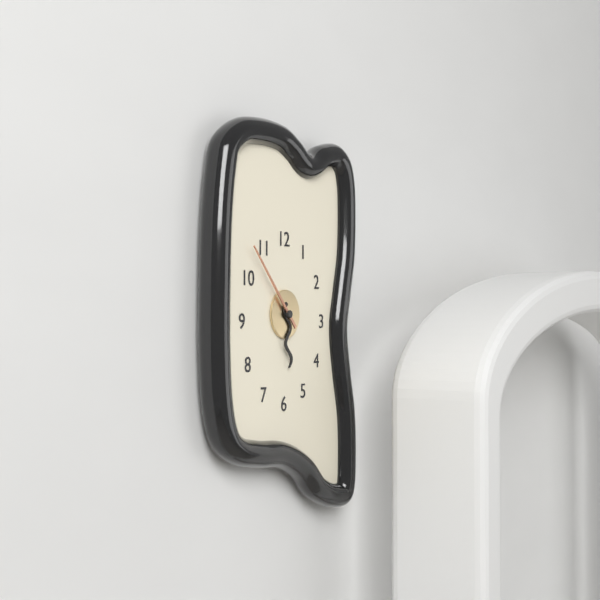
5:53
